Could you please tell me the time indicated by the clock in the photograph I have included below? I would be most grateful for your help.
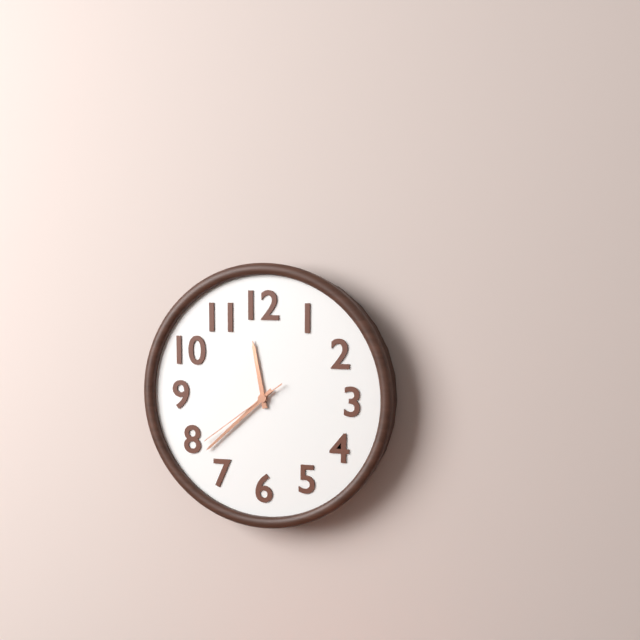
11:38:39
